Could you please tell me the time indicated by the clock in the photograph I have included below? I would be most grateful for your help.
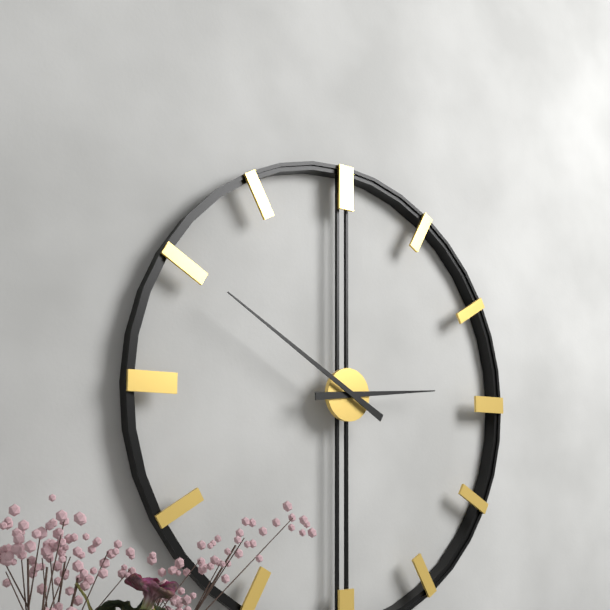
2:50
